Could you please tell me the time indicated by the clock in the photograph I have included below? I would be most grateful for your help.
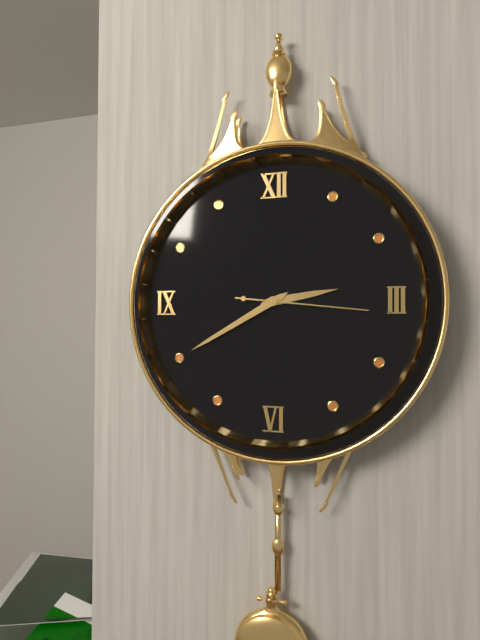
2:40:16
